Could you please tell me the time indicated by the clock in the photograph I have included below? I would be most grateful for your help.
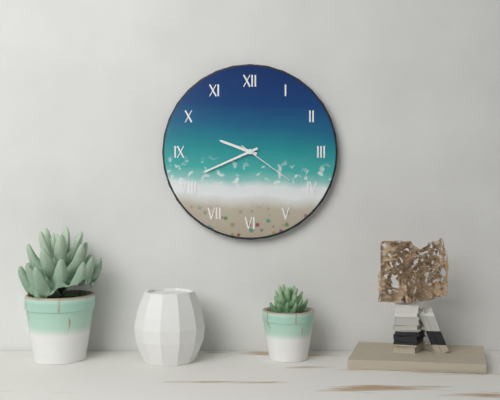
9:41:21
